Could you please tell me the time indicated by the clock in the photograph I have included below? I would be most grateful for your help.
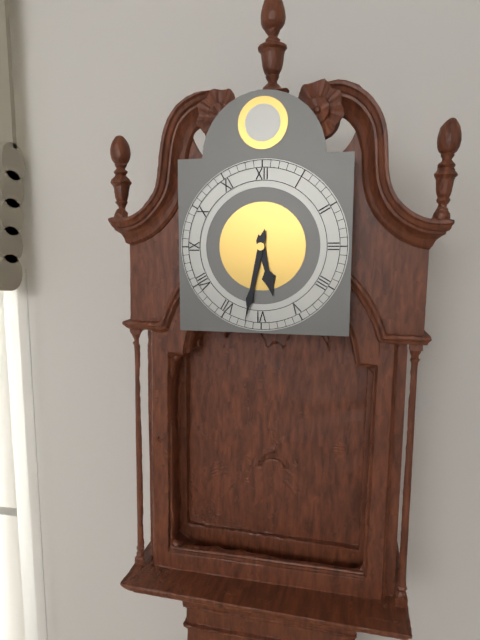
5:32
